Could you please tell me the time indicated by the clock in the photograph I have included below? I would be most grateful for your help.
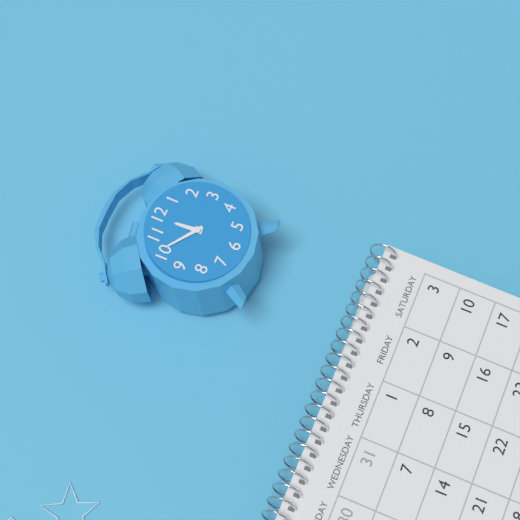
11:51
